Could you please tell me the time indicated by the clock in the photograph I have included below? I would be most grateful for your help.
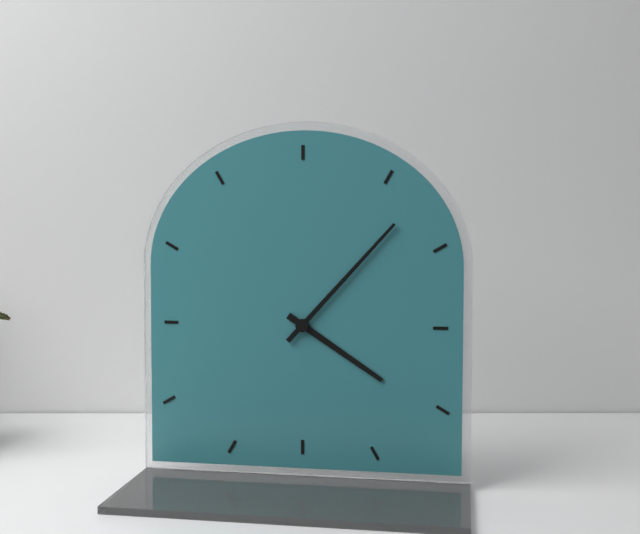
4:07
